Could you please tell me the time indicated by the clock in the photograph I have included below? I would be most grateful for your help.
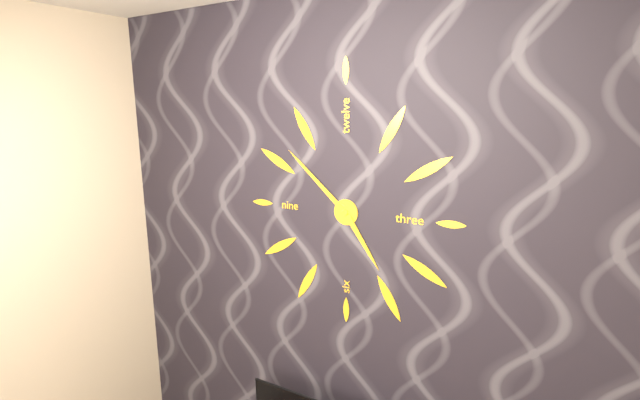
4:52
